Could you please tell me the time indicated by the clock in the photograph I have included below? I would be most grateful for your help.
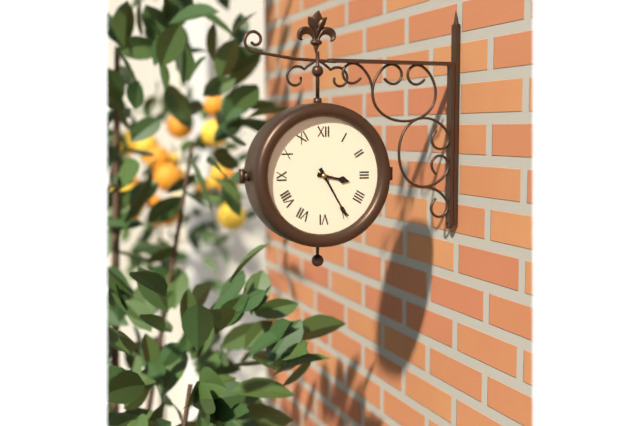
3:25
